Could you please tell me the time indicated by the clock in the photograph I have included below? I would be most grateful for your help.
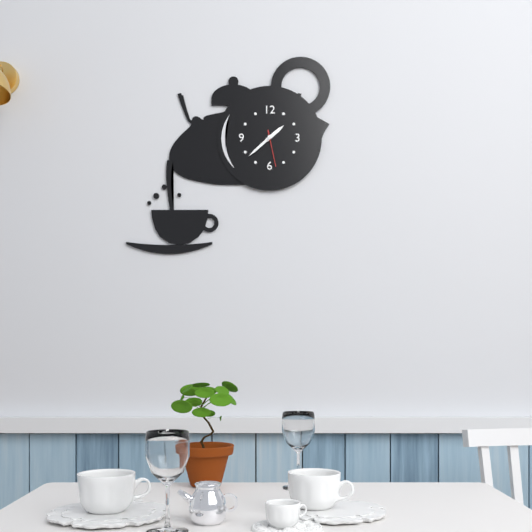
1:38
